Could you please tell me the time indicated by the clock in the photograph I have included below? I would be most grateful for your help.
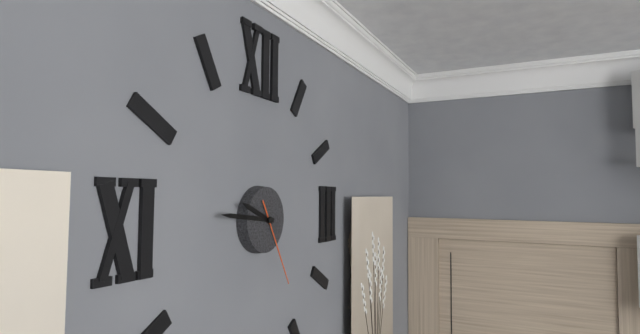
9:46:25
